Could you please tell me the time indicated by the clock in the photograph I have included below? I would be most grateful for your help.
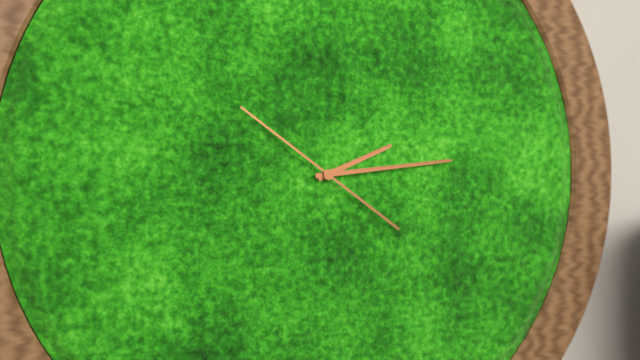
2:14:51
